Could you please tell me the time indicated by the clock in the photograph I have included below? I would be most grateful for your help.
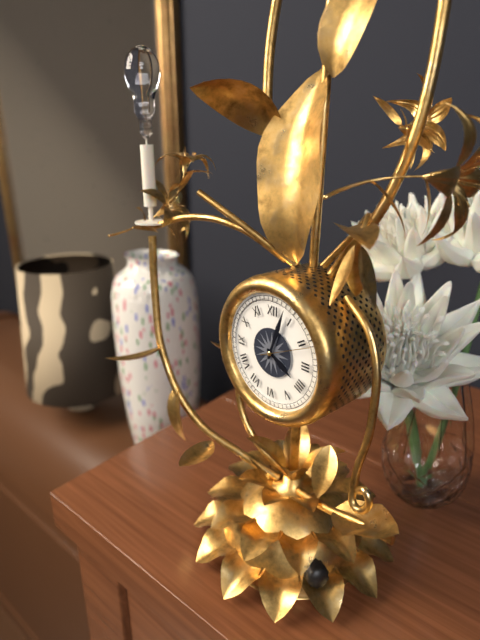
4:03
